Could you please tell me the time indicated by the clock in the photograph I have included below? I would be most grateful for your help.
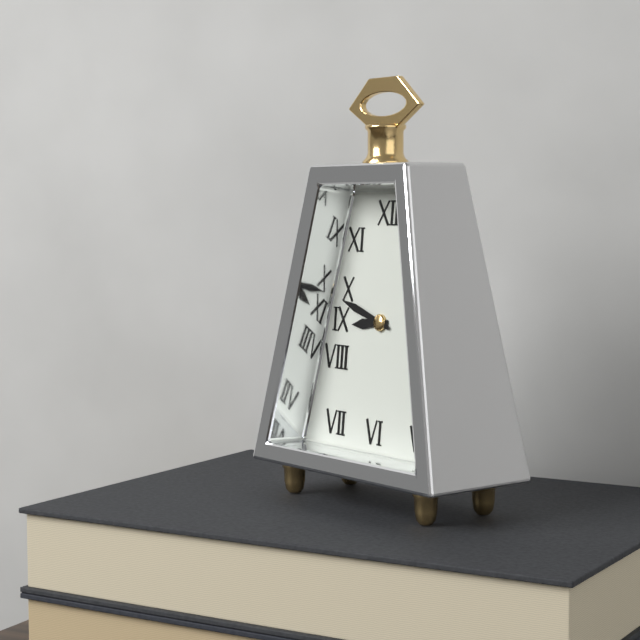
8:48
